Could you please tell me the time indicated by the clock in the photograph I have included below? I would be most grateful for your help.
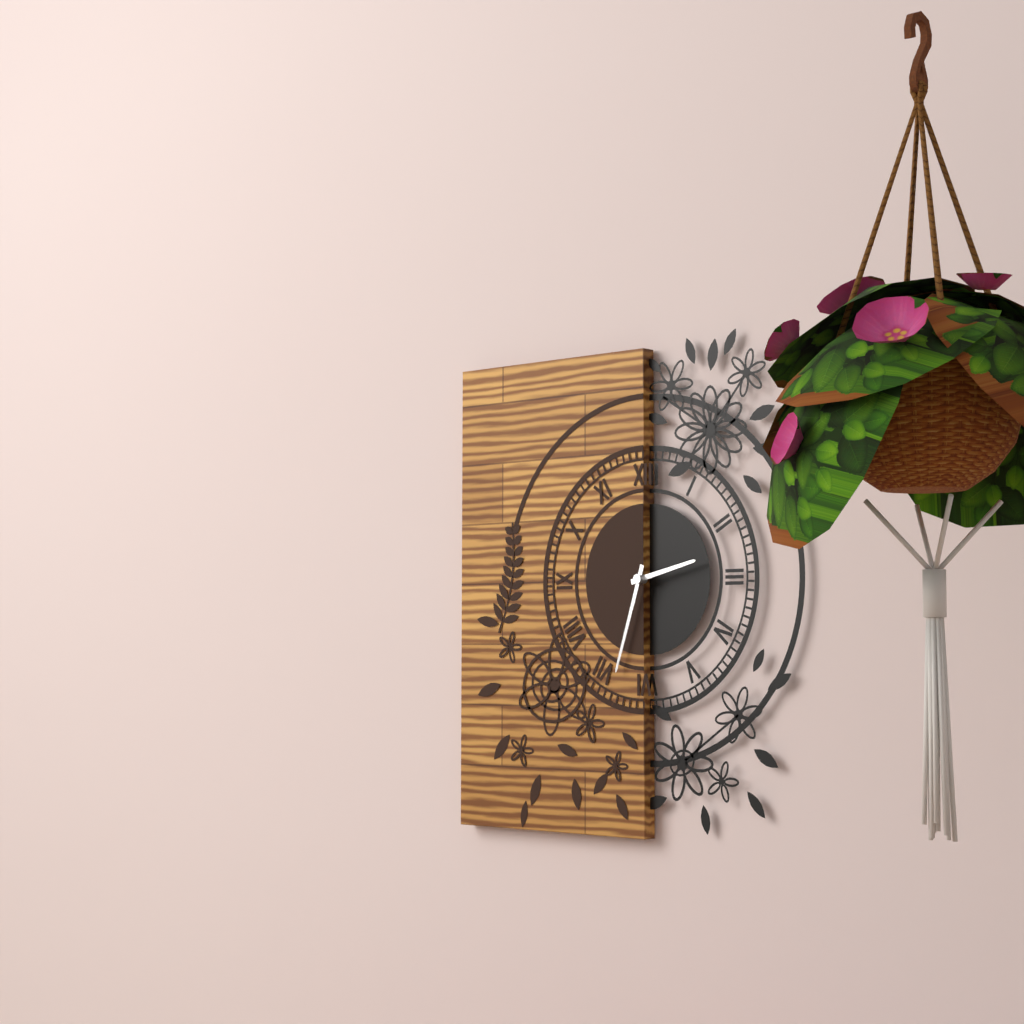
2:33
